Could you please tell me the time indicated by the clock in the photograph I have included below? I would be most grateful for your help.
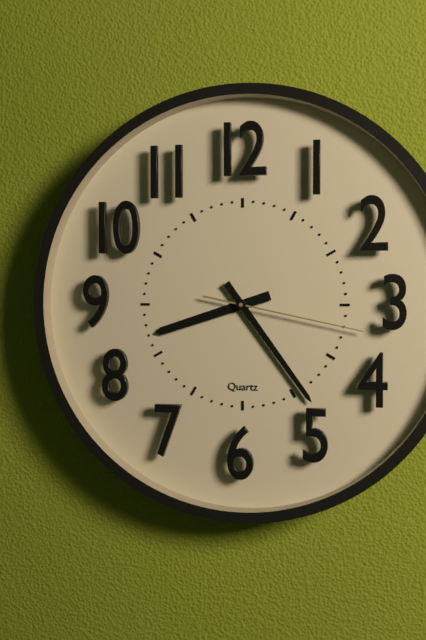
8:24:17
